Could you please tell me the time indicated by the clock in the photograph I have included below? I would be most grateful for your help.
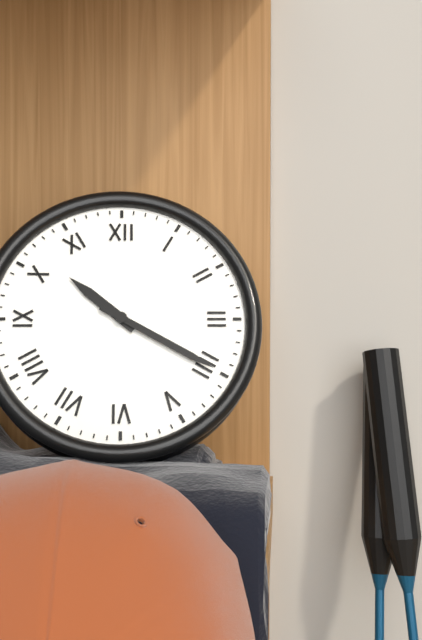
10:20
